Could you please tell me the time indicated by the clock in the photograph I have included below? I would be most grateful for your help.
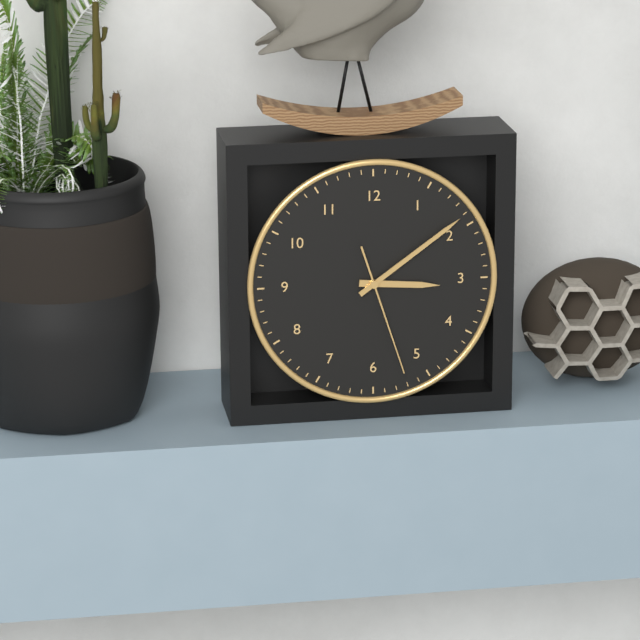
3:09:27
